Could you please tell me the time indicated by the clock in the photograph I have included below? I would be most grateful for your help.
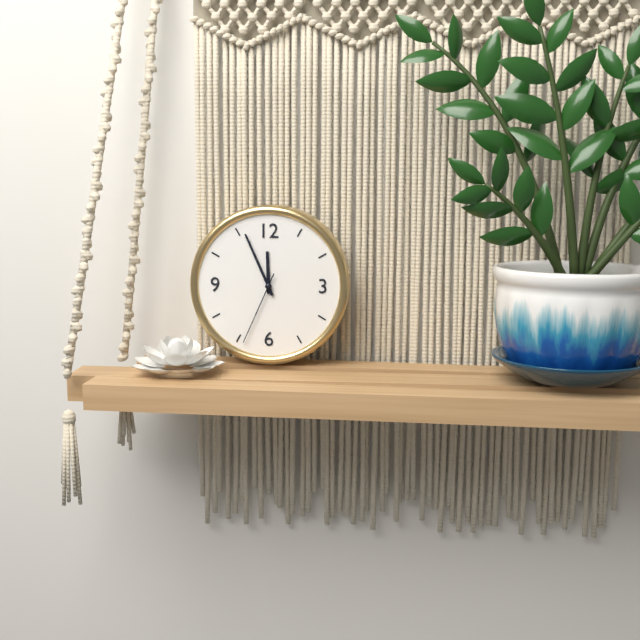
11:56:34
